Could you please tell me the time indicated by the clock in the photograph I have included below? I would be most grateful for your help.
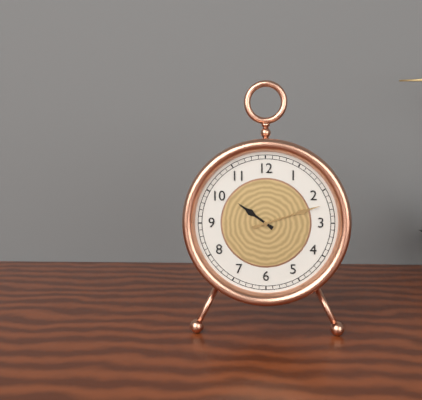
10:12
